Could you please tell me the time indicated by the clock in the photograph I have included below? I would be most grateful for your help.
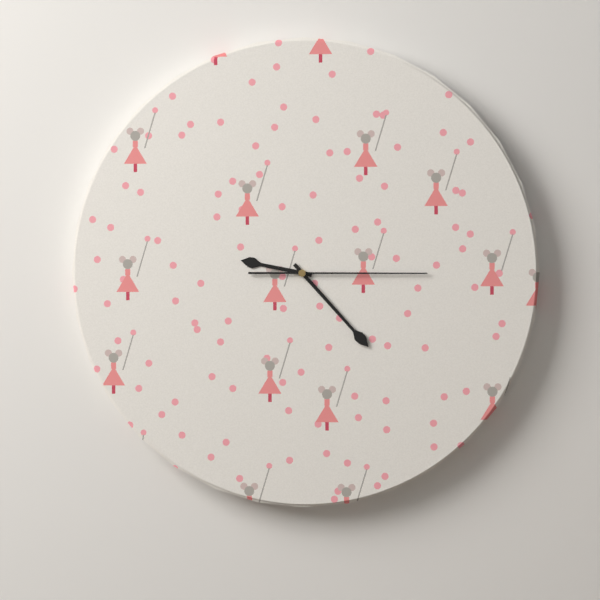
9:23:15
